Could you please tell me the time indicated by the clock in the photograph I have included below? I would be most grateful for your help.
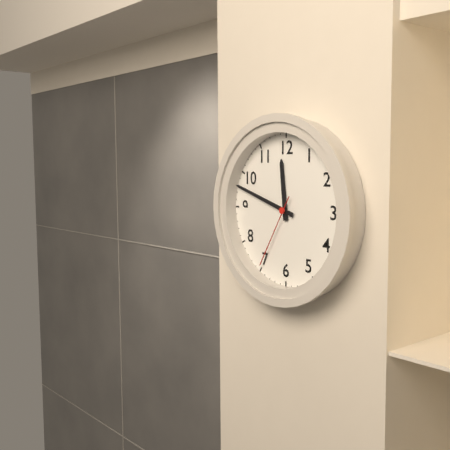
11:48:35
